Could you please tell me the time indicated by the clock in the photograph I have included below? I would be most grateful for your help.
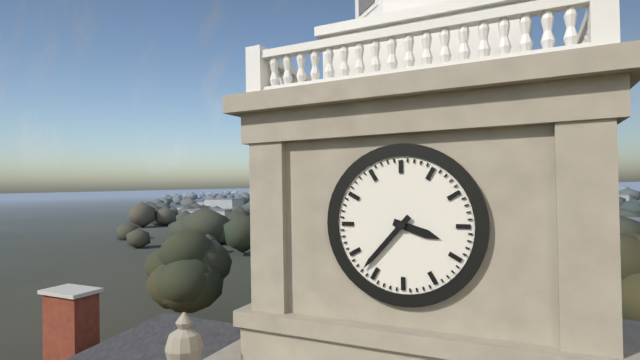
3:37
